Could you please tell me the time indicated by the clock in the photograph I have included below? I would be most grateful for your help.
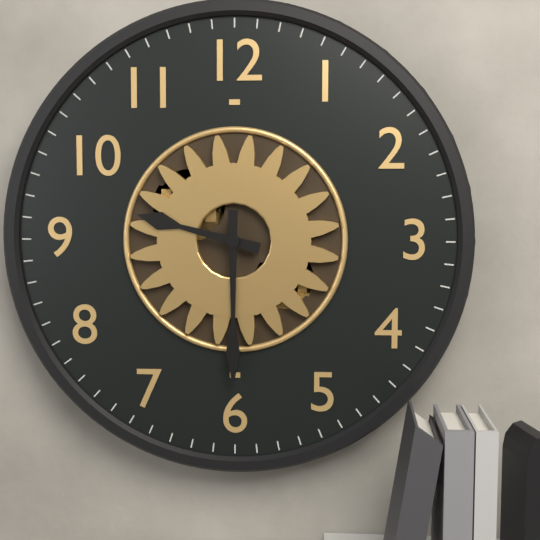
9:30
